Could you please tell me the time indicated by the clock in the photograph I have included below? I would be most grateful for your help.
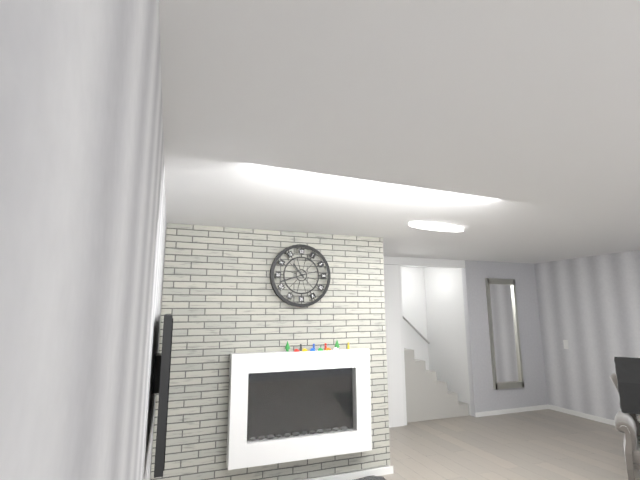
10:42
